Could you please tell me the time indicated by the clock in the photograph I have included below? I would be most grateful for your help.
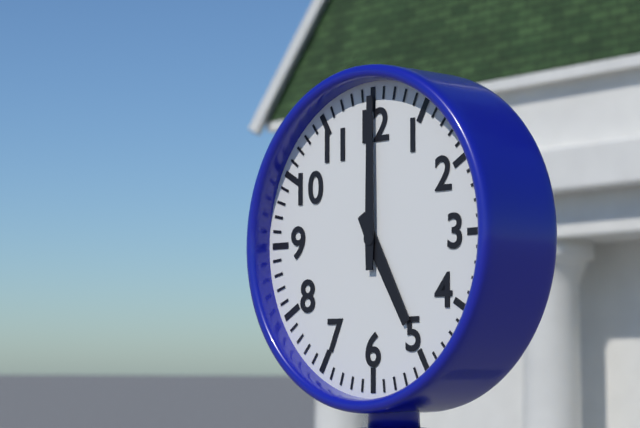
5:00
